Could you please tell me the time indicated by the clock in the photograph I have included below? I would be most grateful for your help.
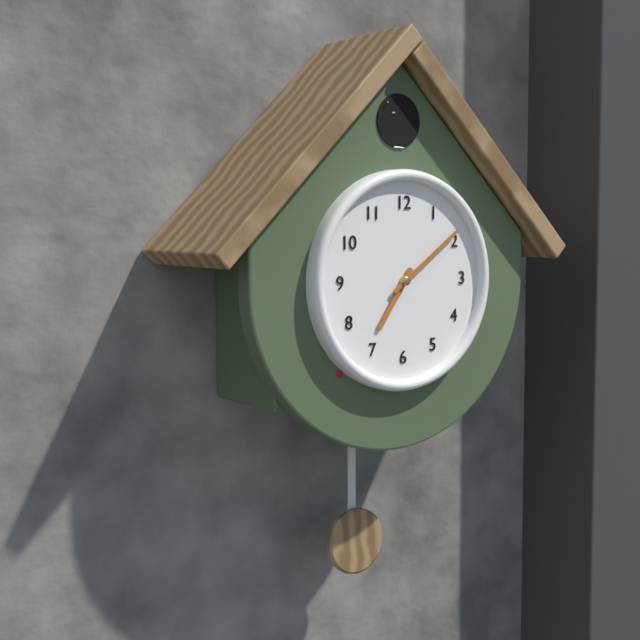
7:09
